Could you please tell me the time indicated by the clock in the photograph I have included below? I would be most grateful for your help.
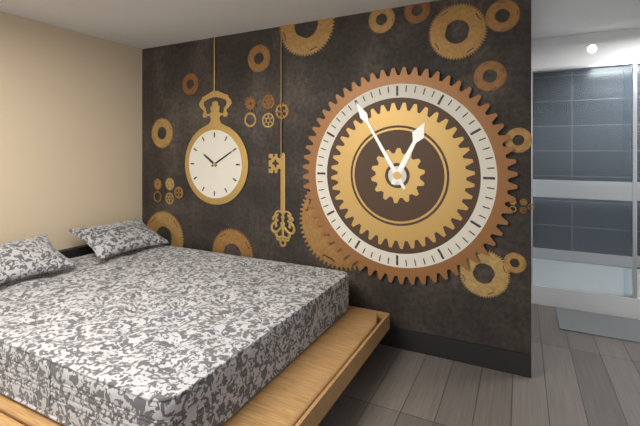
12:55
